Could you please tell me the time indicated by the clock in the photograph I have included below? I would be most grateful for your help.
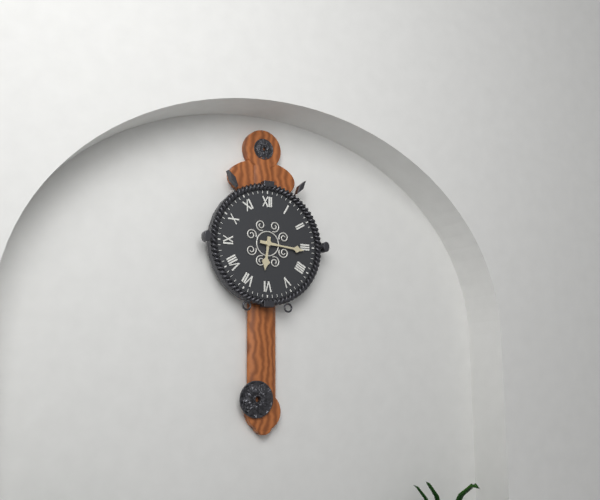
6:16
